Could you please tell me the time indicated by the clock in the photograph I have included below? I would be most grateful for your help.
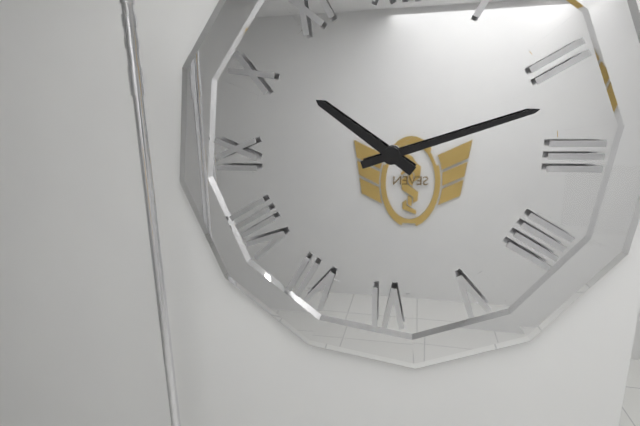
10:12
